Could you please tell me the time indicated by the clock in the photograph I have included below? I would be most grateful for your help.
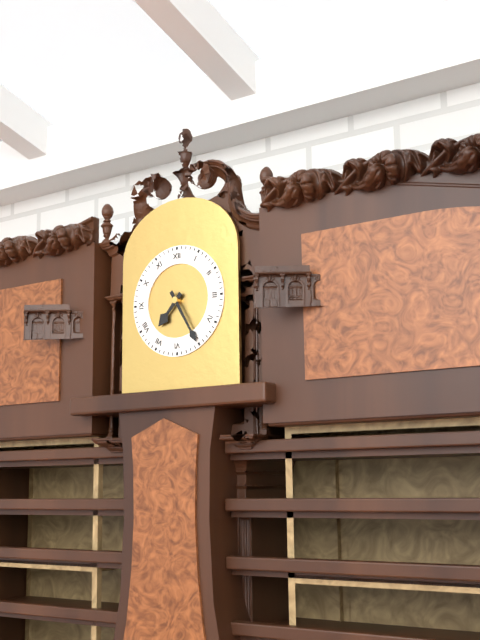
7:25
